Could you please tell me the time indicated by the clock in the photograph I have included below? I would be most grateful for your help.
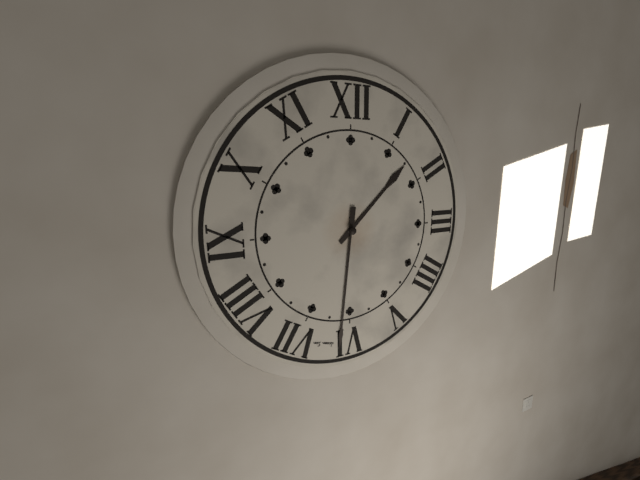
1:31
